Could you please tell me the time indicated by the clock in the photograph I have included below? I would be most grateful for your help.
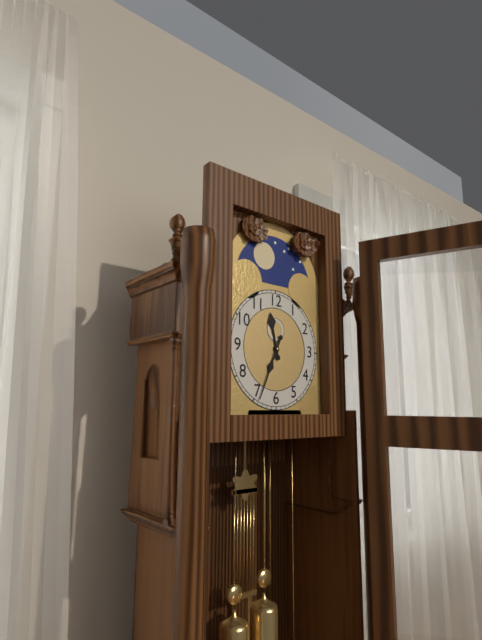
11:34
